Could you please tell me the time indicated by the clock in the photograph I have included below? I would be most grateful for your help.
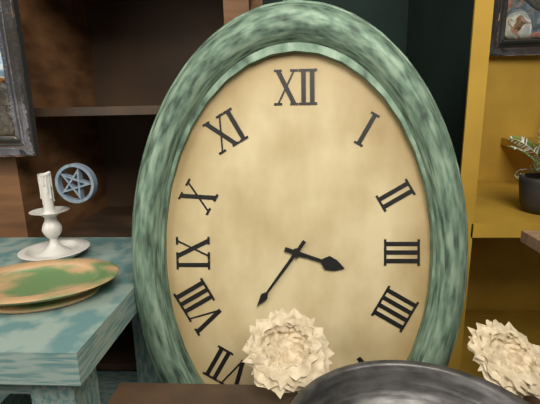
3:36
